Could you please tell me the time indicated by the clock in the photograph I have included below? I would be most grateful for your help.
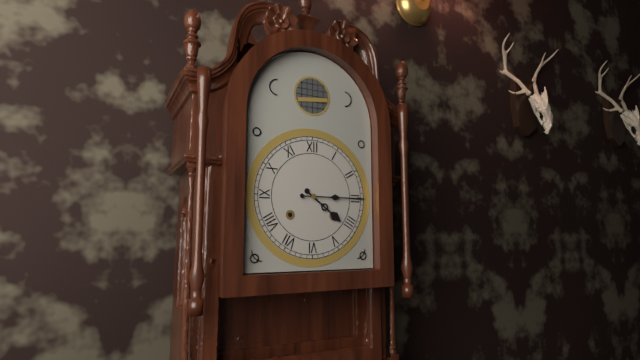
4:15
